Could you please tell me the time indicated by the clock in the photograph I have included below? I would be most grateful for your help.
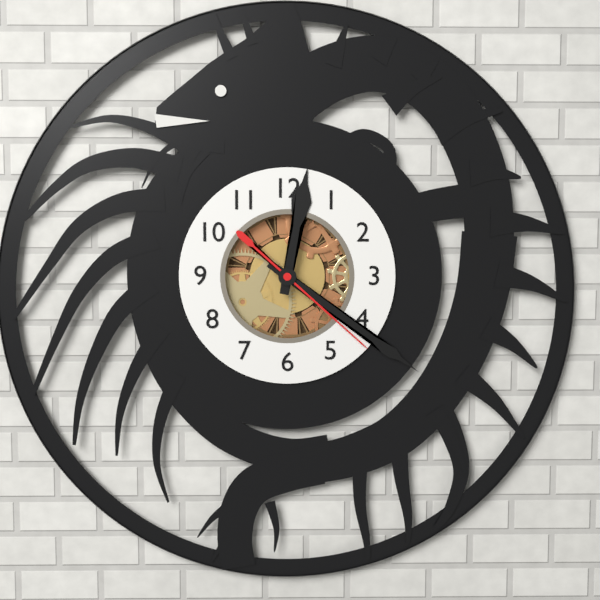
12:21:22
